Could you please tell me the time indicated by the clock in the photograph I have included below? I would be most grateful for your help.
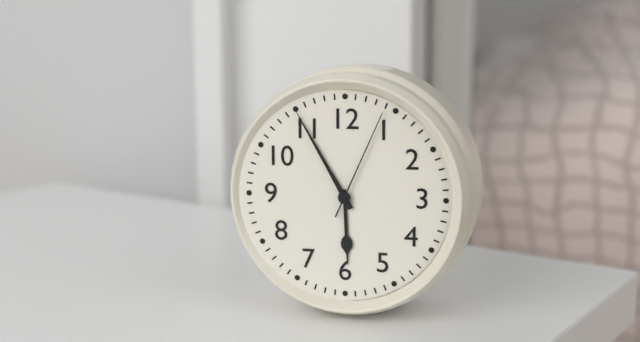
5:55:04
